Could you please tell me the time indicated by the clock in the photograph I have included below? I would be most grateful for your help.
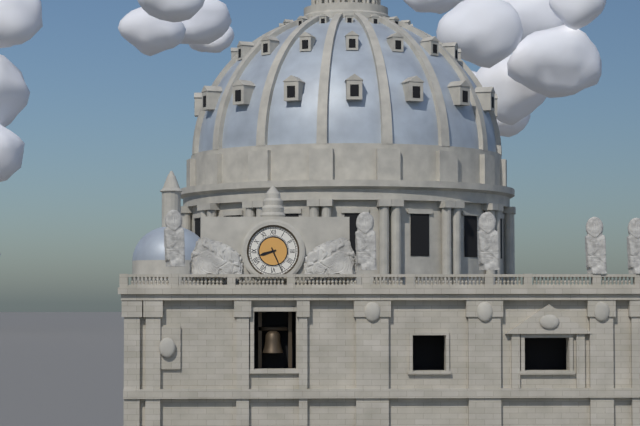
8:26
